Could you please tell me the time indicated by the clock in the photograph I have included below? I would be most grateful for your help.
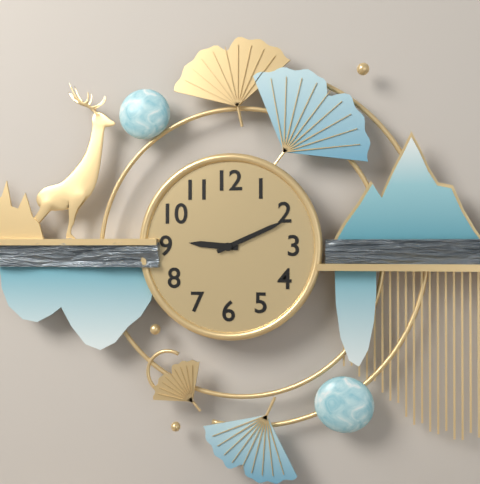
9:11
